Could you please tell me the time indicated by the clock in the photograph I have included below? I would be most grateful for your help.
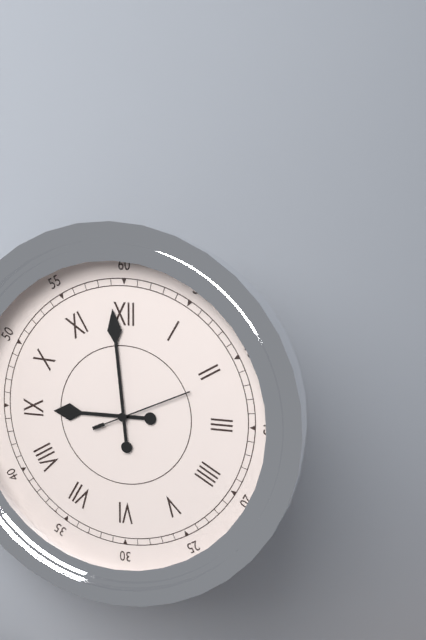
8:59:11
